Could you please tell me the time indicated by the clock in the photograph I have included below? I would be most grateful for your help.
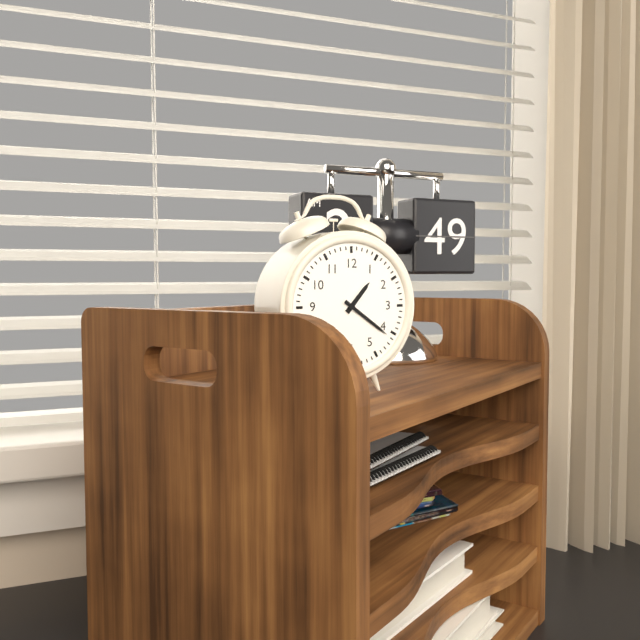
1:21
